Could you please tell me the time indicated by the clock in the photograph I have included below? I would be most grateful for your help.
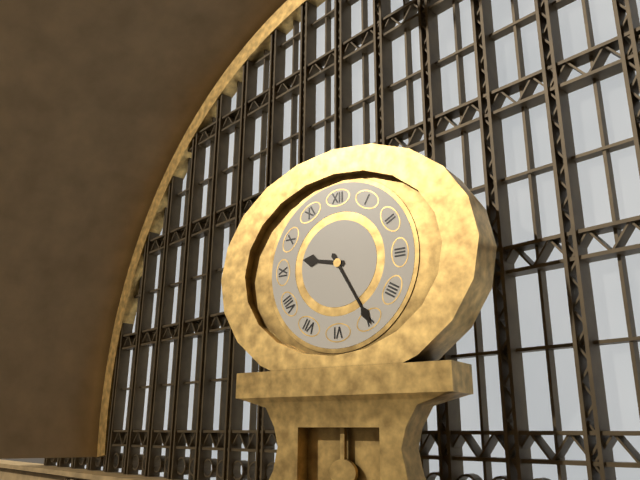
9:25
